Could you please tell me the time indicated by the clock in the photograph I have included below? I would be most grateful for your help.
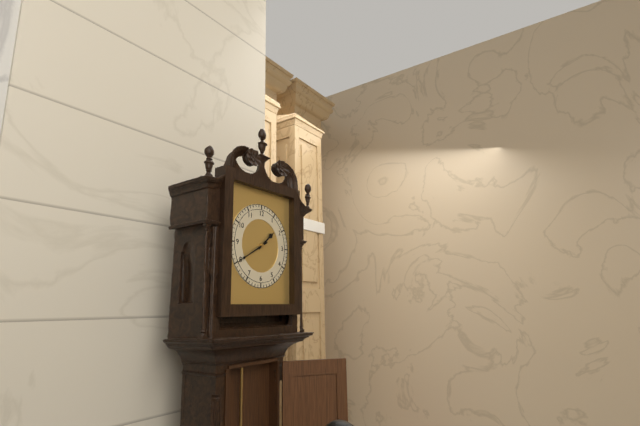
1:40
